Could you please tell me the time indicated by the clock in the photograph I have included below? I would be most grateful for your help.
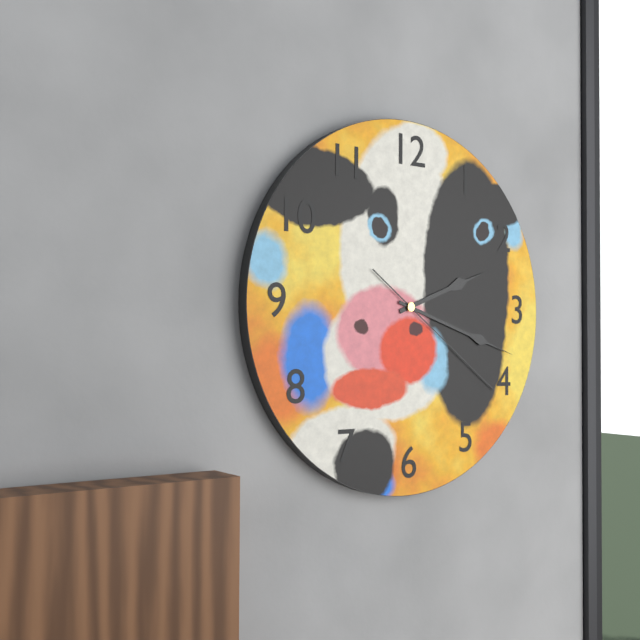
2:18:21
